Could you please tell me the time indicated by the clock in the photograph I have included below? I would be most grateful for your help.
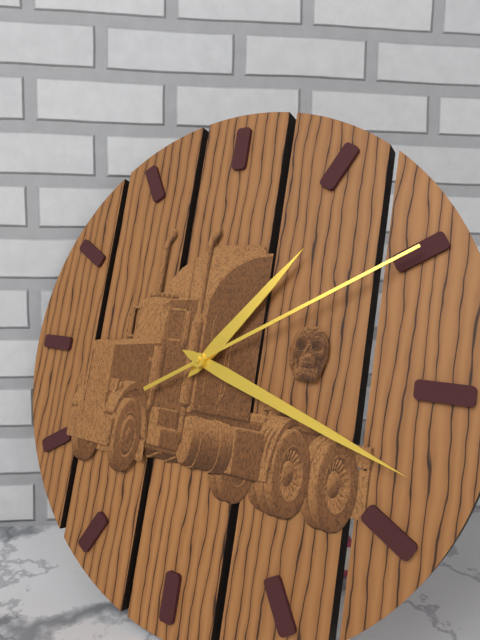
1:18:10
